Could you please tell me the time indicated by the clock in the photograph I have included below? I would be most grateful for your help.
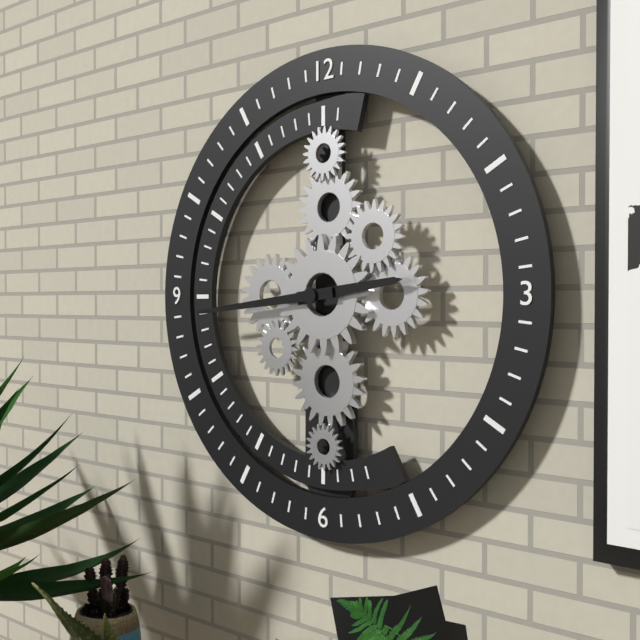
2:44
